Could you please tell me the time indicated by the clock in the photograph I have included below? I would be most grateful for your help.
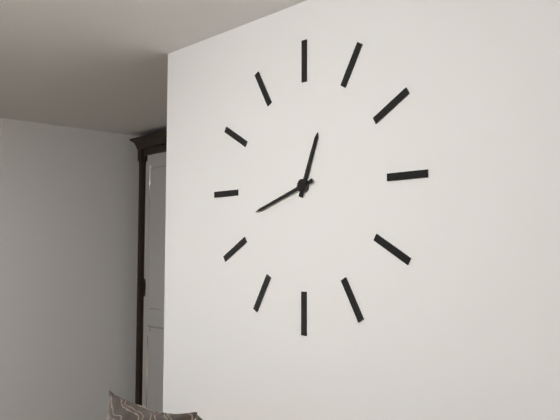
12:42
